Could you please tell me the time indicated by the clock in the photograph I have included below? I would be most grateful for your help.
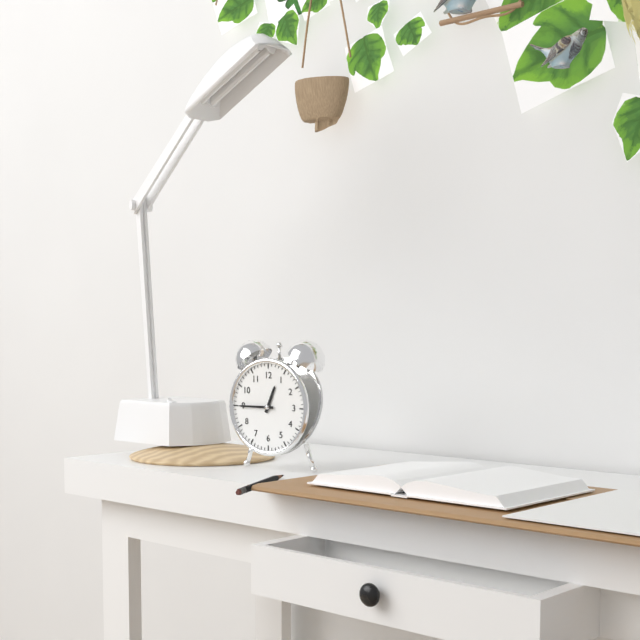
12:45
